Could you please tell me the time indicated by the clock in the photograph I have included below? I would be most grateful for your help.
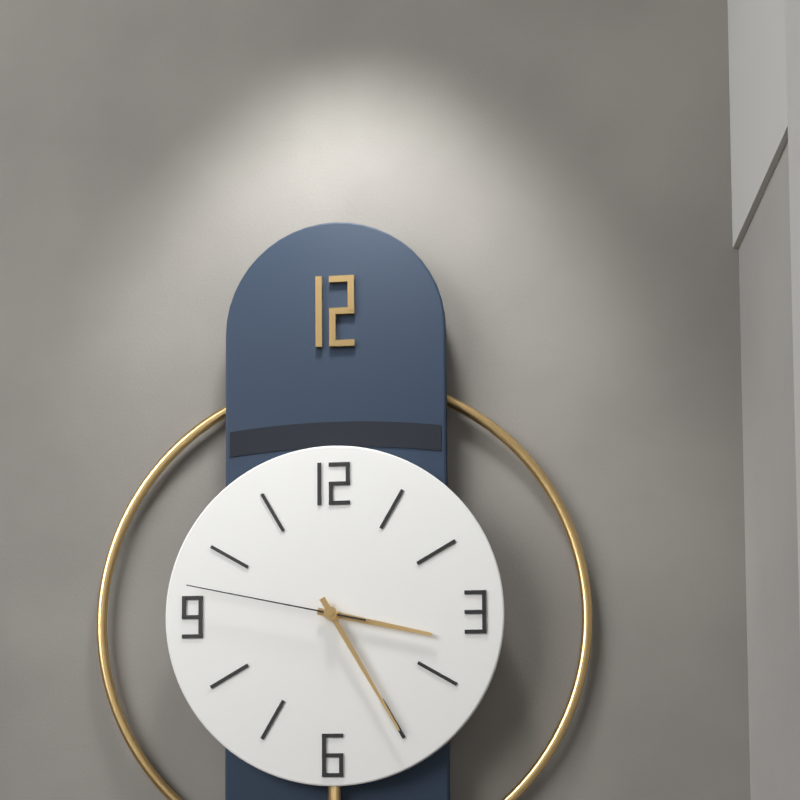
3:25:47
